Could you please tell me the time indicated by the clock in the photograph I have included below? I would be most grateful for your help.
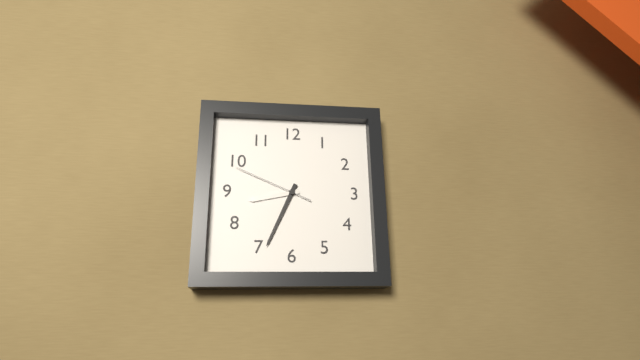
8:34:49
